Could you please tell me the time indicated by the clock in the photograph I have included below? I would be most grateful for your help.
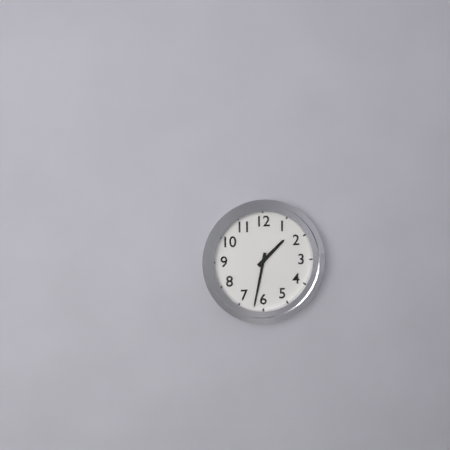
1:32
